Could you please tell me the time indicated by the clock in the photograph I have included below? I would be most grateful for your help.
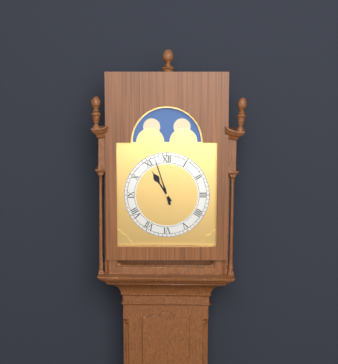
10:57
